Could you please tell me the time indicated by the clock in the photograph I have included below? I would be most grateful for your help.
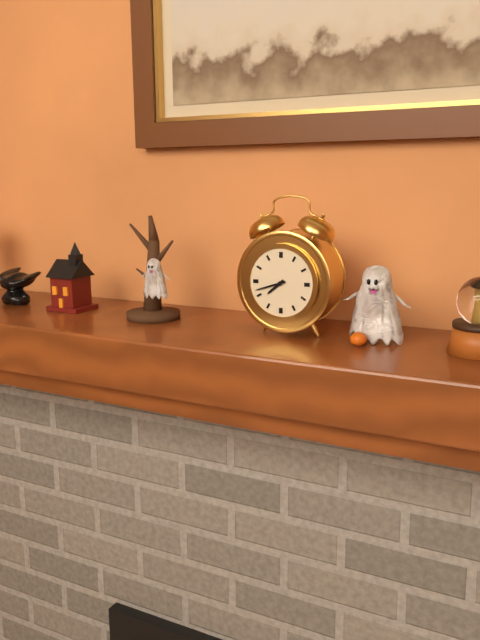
7:42
